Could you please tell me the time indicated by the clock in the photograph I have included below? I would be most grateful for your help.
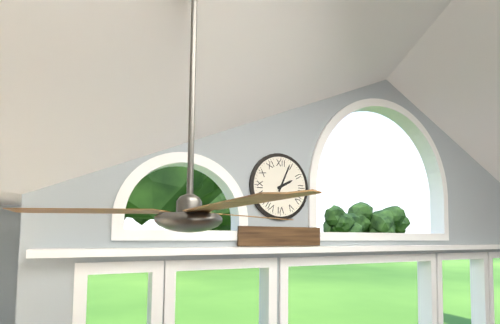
2:04
